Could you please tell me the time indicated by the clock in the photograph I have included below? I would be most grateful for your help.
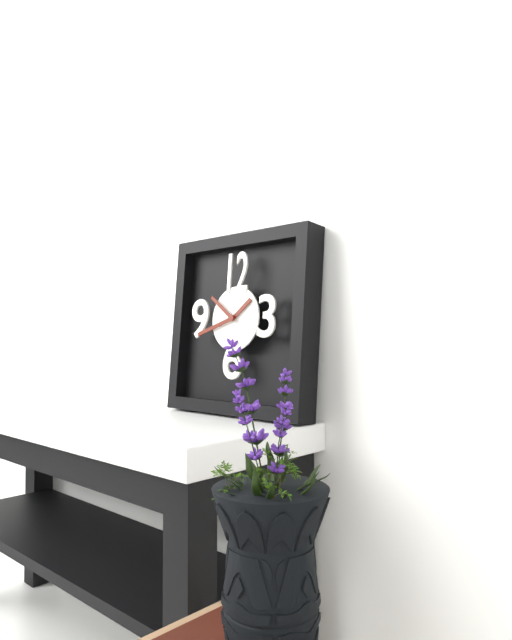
1:42
